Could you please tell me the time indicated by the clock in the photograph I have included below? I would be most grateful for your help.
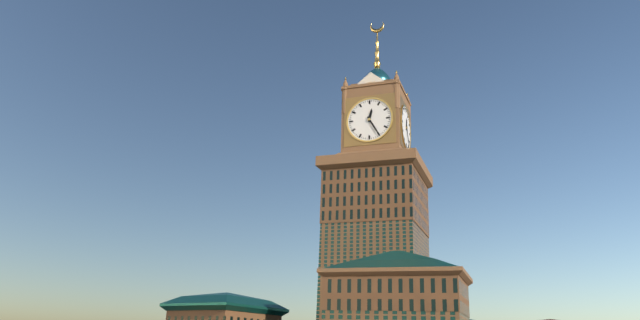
12:25
